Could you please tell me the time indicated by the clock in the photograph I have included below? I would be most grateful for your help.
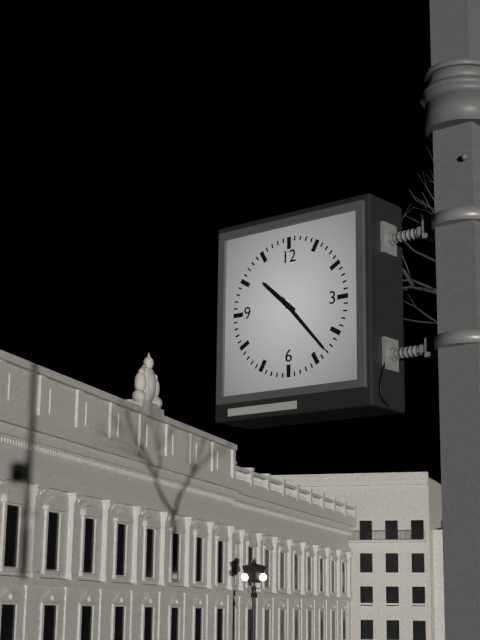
10:23
